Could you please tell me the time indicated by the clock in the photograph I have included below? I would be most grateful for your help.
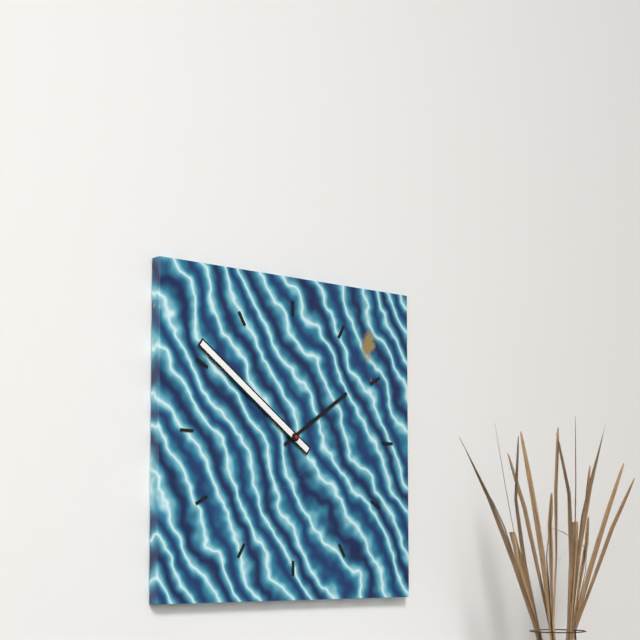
1:51
